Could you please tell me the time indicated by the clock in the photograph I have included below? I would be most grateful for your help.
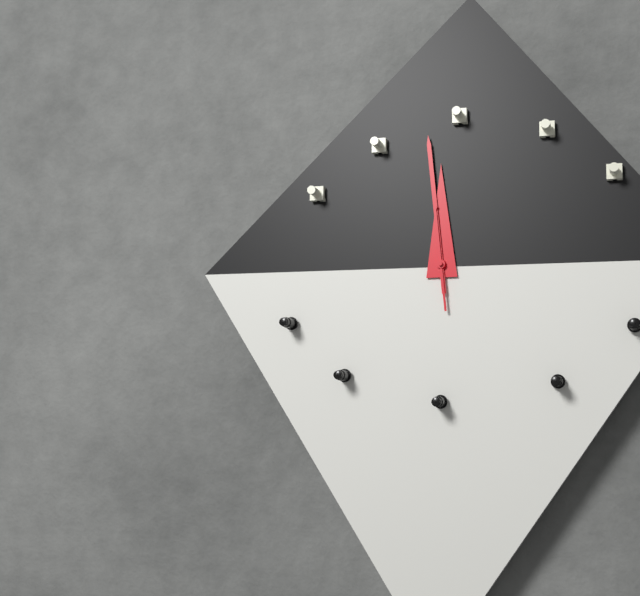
11:59:59
